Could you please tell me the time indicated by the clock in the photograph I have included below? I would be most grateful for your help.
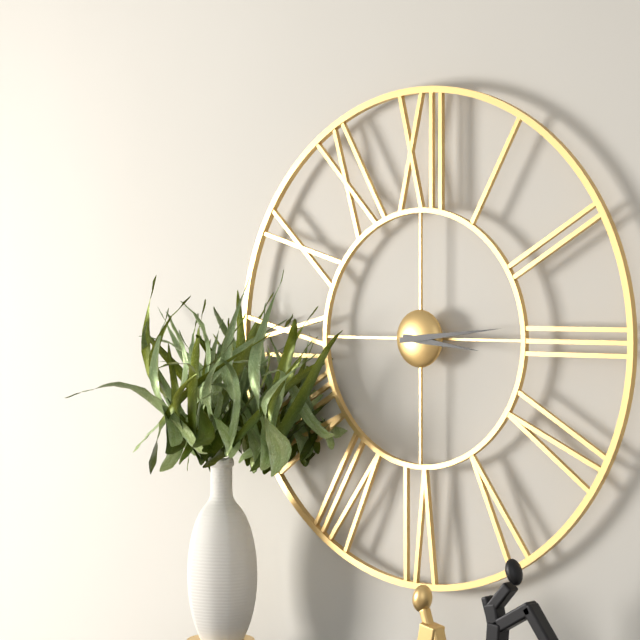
3:14
